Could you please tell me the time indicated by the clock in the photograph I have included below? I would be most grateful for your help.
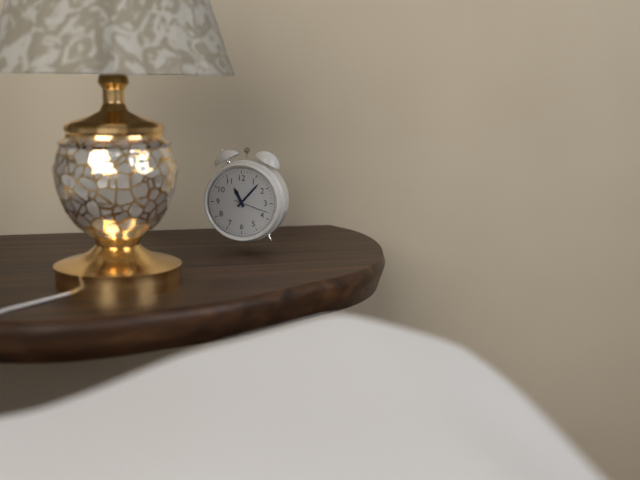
11:07
